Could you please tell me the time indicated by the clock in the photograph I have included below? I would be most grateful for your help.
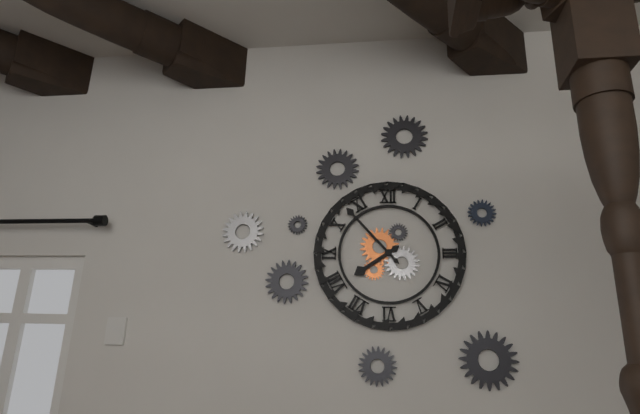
7:53
